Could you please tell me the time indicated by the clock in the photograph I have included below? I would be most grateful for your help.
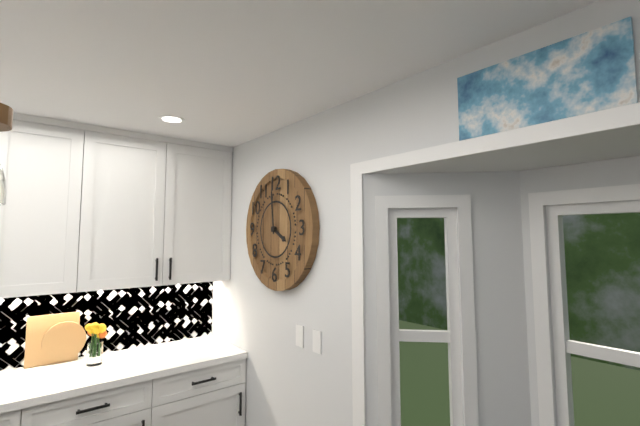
3:59
